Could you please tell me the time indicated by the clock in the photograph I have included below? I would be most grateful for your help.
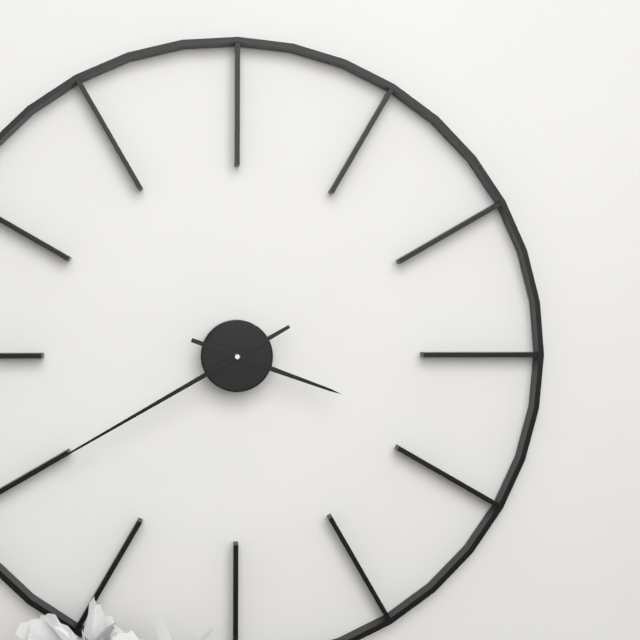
3:40
